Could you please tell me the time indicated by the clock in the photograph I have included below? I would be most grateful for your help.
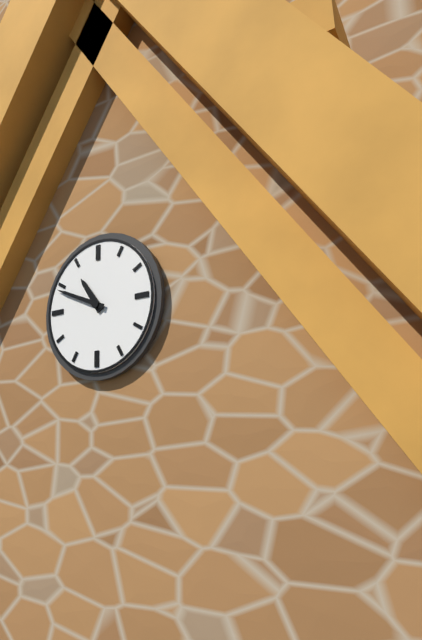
10:49
